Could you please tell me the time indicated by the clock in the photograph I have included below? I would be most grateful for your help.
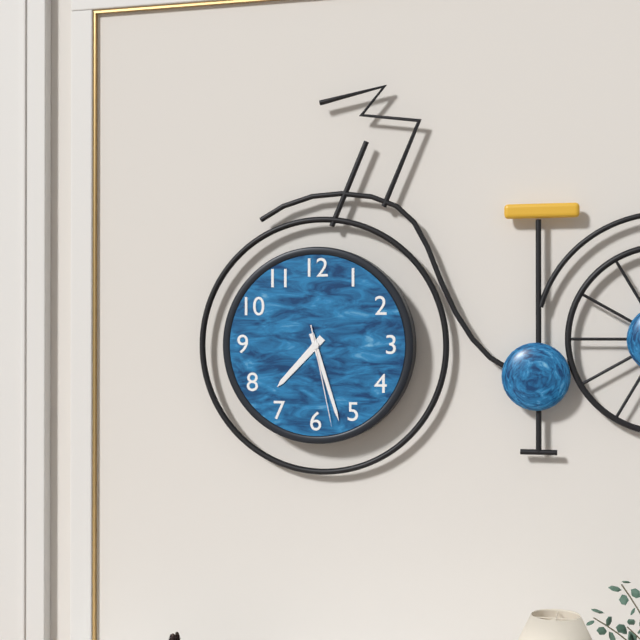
7:27:28
